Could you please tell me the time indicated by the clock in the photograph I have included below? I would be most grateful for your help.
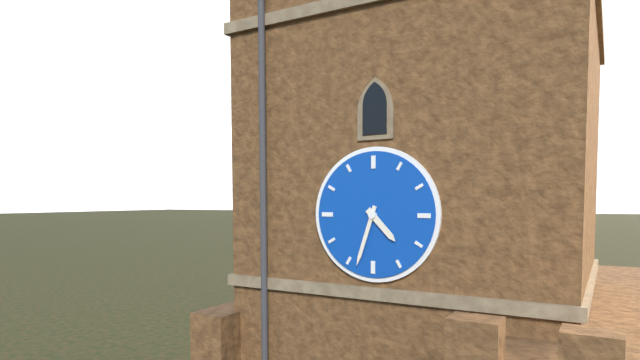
4:33
